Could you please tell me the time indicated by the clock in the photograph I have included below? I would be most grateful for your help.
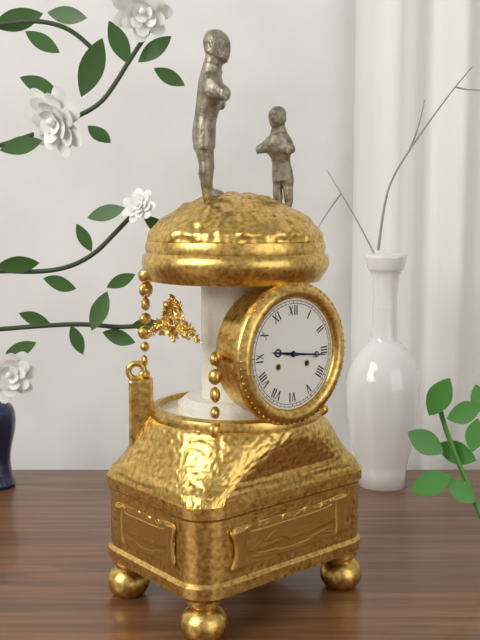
9:16
